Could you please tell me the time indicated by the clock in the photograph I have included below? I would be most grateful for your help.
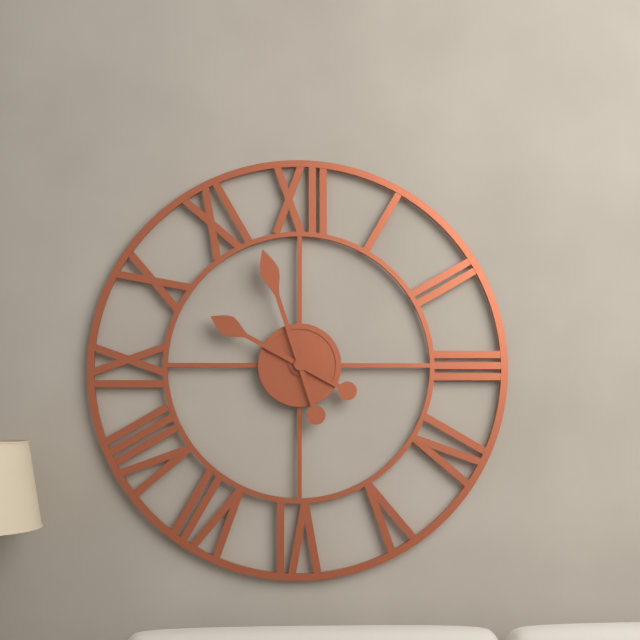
9:57
